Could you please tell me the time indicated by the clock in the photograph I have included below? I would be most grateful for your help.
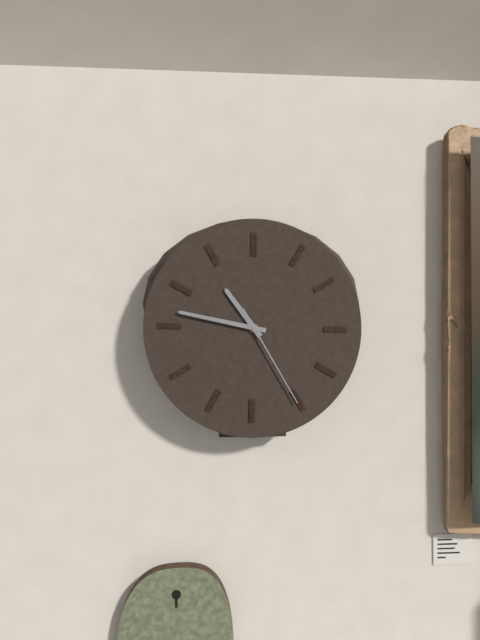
10:47:25
